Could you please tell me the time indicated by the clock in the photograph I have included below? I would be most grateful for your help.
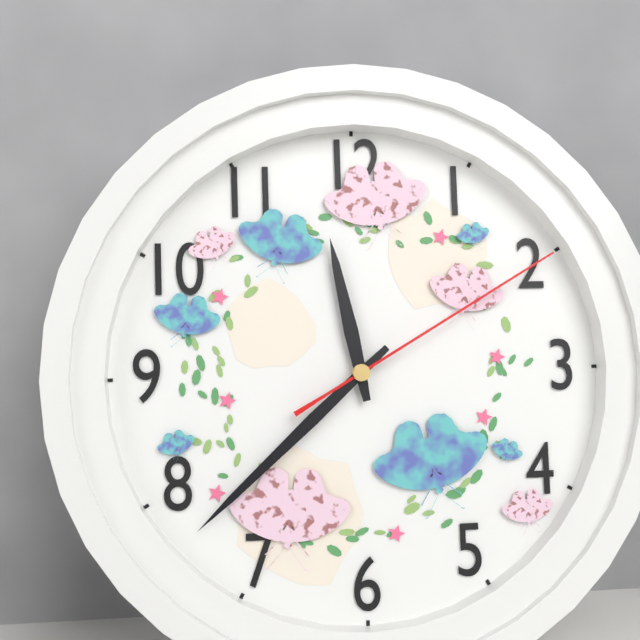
11:38:10
